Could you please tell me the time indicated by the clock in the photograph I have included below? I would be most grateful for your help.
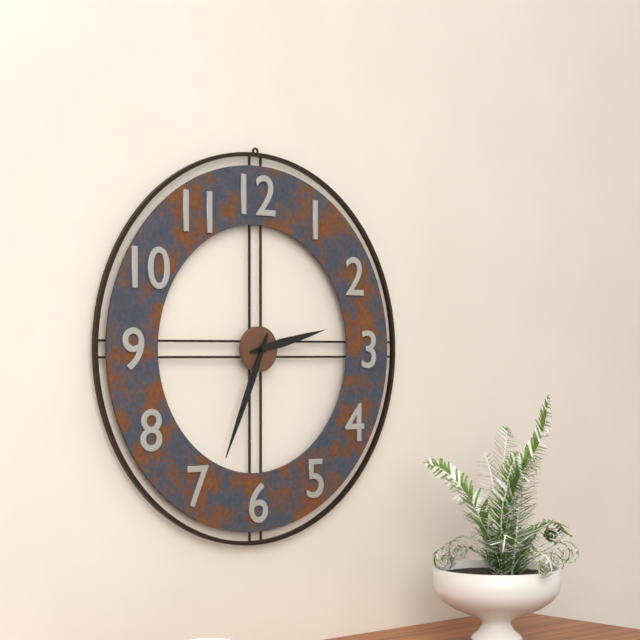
2:34
